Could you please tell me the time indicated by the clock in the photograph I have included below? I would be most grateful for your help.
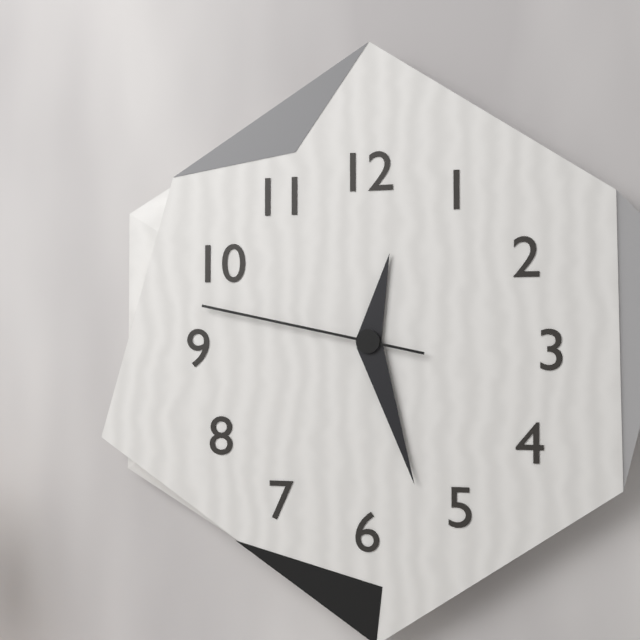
12:27:47
